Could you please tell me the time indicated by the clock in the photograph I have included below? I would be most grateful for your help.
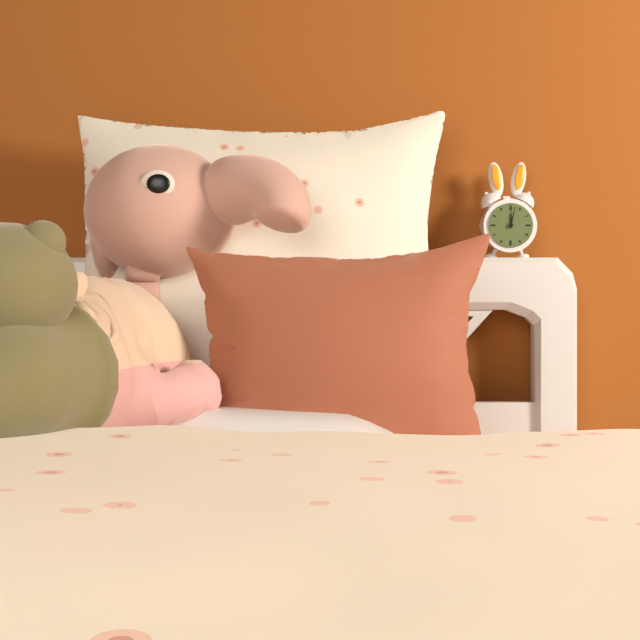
12:02
